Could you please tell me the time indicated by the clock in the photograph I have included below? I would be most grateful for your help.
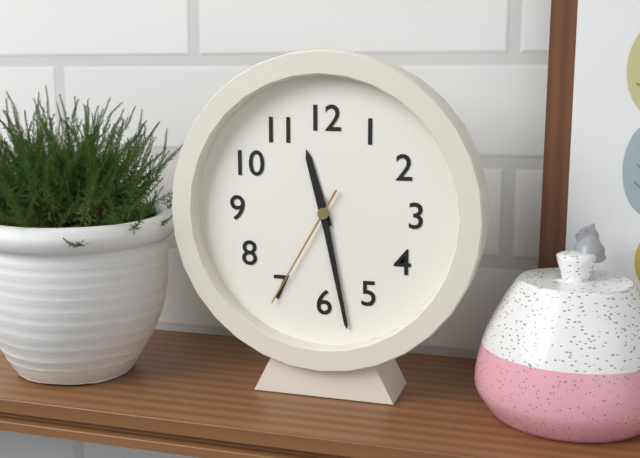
11:28:35
